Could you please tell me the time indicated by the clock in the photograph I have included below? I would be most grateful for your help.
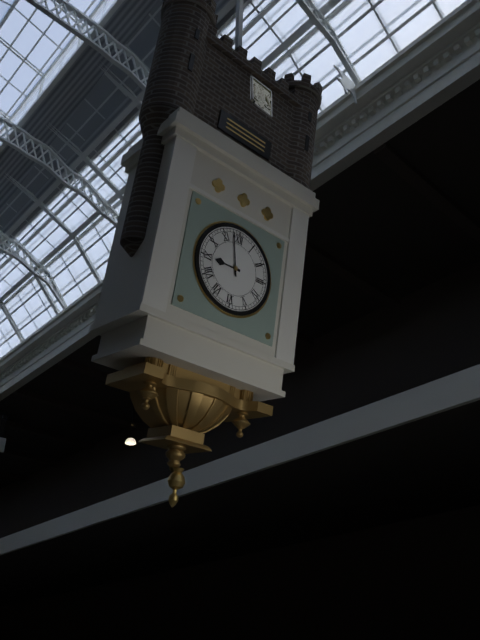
8:58
